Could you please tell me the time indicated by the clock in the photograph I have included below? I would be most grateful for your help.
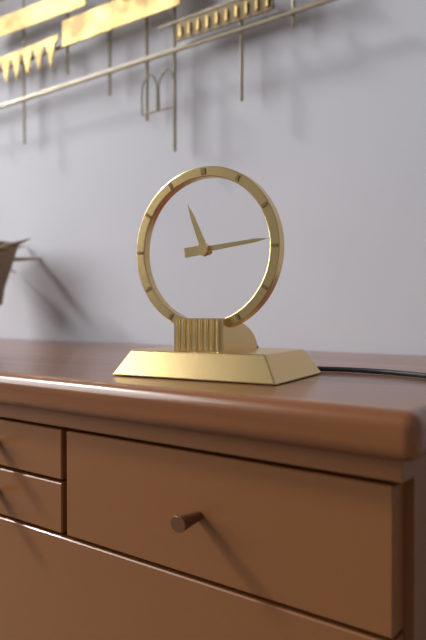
11:14
